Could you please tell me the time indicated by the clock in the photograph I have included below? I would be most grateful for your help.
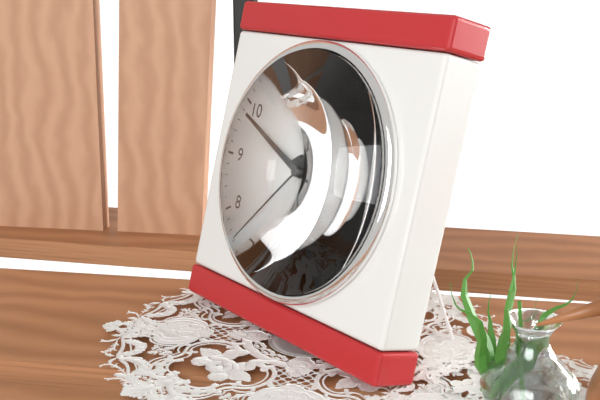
4:49:37
